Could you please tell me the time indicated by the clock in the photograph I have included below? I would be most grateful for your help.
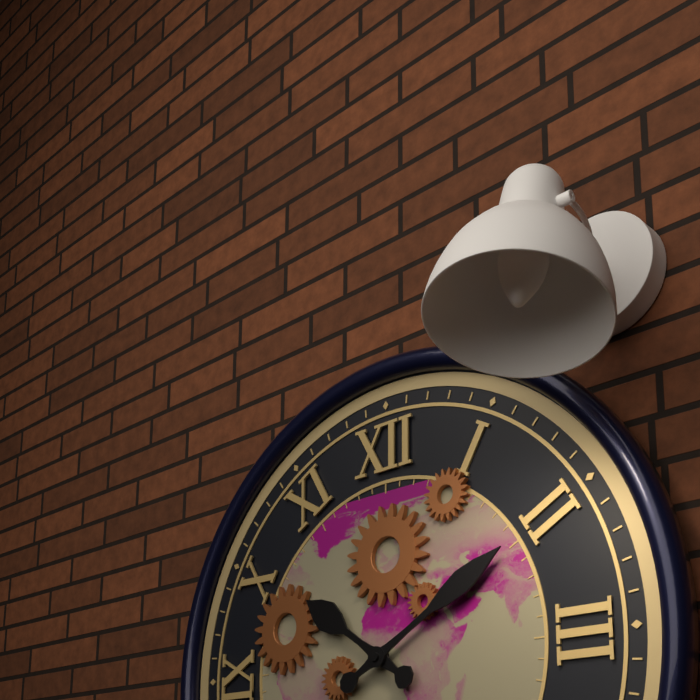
10:10
